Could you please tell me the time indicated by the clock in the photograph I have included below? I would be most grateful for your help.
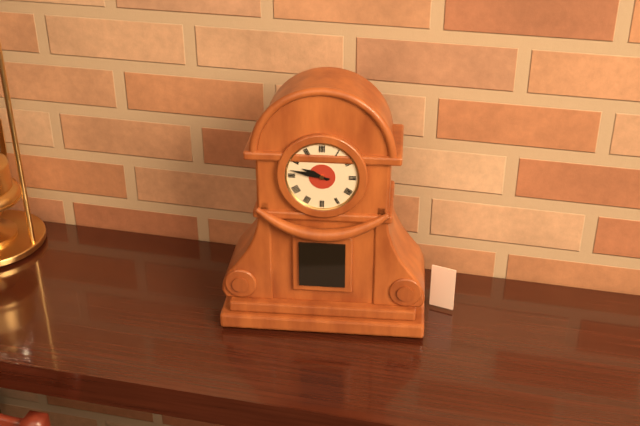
9:47
